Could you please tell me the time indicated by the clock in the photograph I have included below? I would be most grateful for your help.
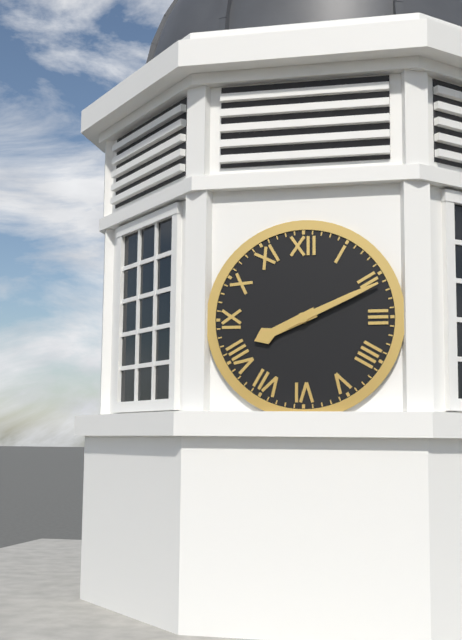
8:11
